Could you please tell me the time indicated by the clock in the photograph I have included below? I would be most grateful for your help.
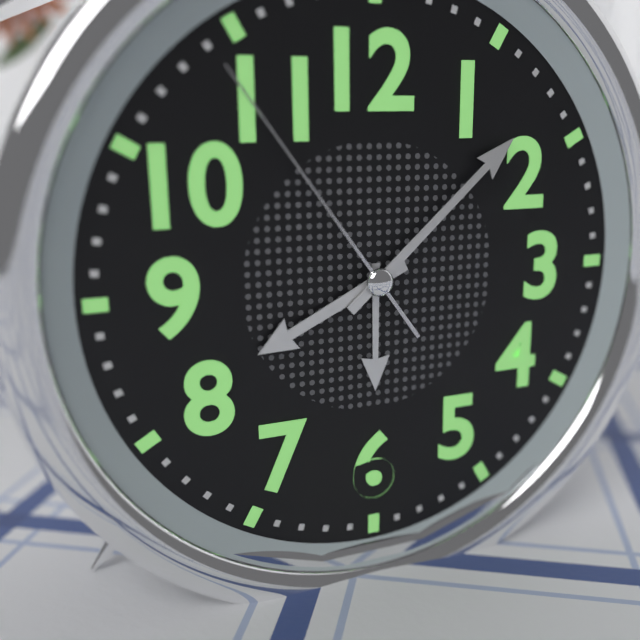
8:08:54
